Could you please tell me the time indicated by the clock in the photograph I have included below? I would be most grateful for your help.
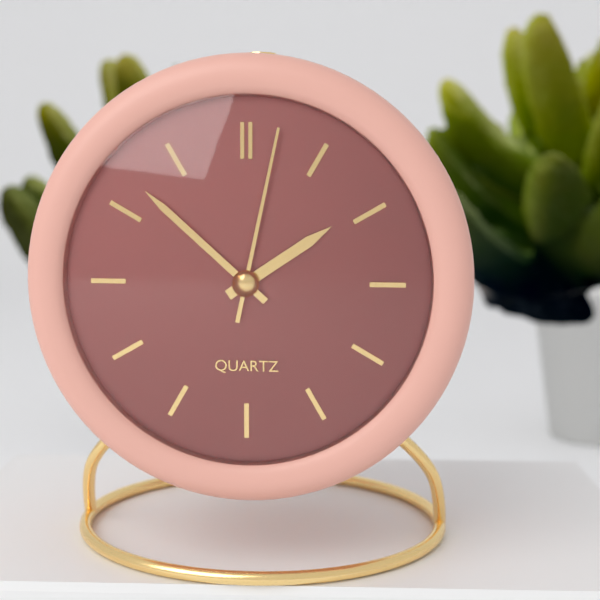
1:52:02
